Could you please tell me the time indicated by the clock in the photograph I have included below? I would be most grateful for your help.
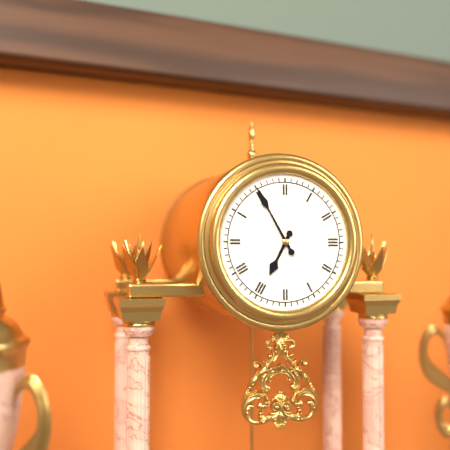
6:55
